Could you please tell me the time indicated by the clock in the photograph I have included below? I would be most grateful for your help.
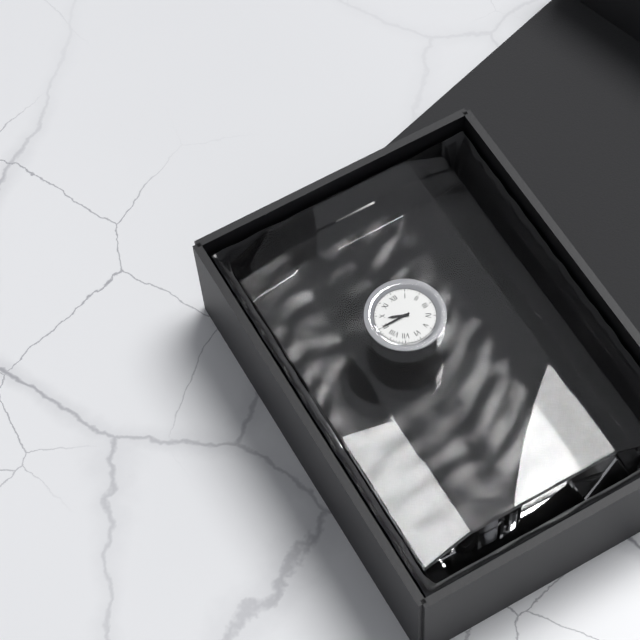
9:45
